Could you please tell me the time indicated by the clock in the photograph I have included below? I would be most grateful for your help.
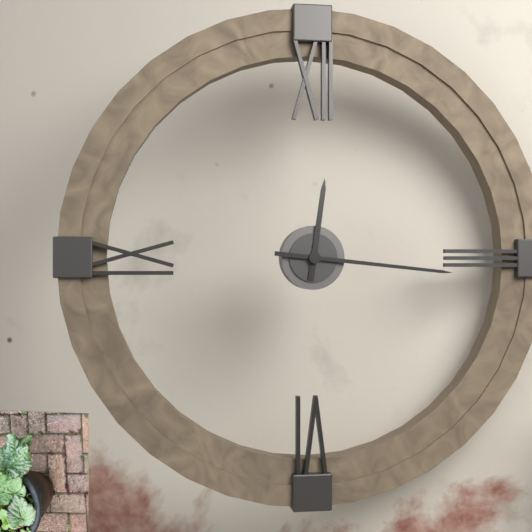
12:16
